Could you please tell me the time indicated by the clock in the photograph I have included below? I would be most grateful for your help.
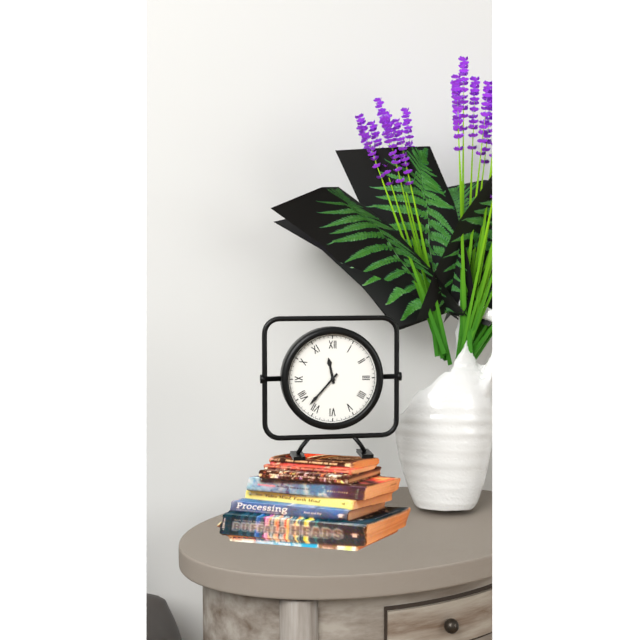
11:37
